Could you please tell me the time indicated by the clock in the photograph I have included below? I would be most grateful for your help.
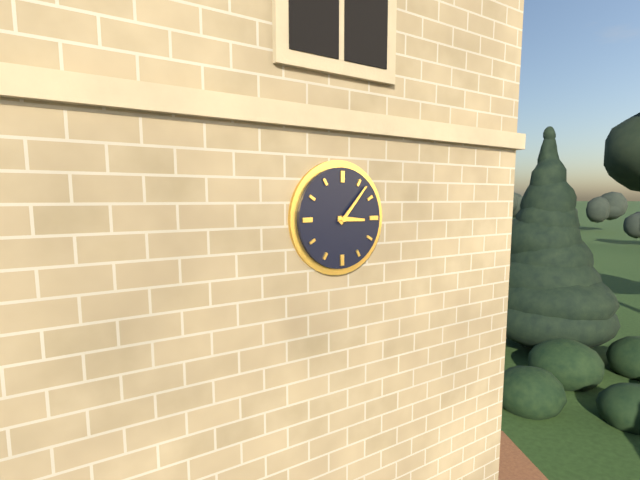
3:07
